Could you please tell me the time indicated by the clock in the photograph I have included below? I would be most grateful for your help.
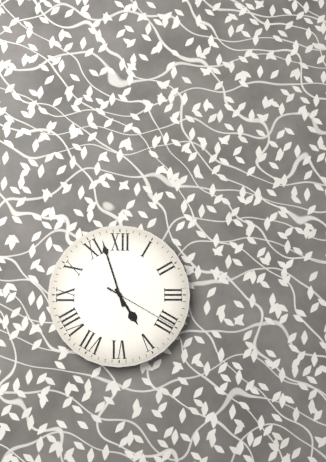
4:57:20
